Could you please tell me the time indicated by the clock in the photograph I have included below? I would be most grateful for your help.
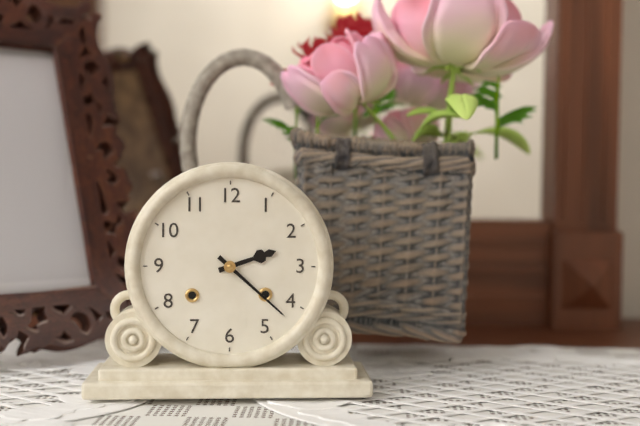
2:22
